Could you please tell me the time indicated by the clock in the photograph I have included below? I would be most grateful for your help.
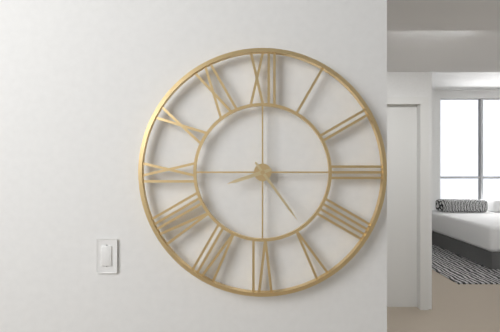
8:24
